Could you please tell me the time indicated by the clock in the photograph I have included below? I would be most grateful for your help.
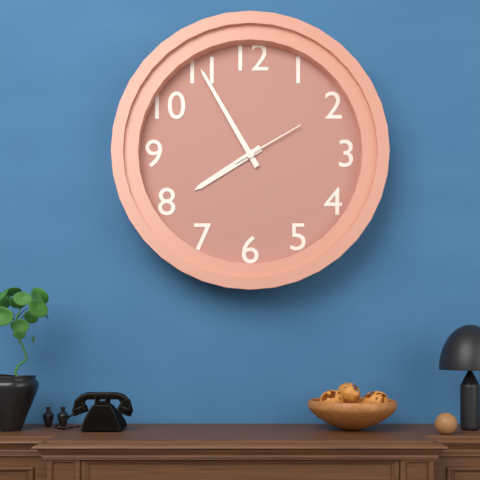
7:55:10
